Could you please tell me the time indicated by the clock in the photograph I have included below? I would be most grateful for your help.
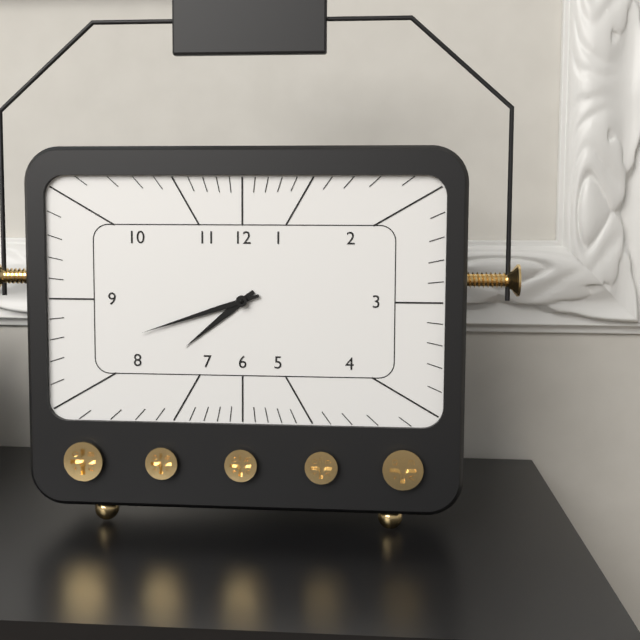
7:42
